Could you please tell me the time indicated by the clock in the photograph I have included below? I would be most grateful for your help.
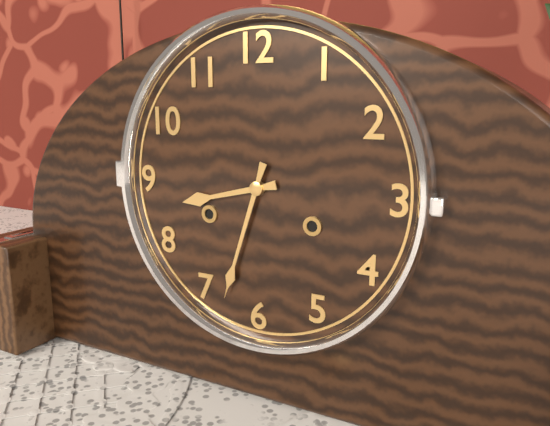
8:33
